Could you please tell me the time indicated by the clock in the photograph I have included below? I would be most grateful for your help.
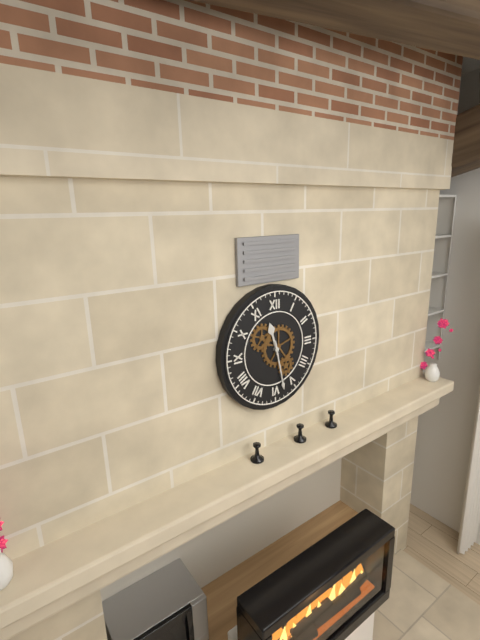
11:28
